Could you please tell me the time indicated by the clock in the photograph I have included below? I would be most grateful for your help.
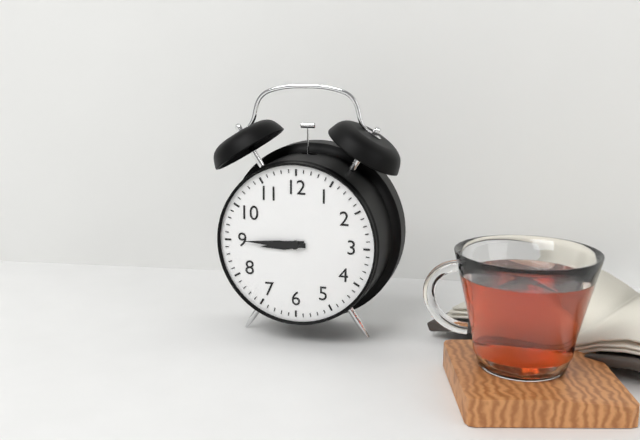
8:45
